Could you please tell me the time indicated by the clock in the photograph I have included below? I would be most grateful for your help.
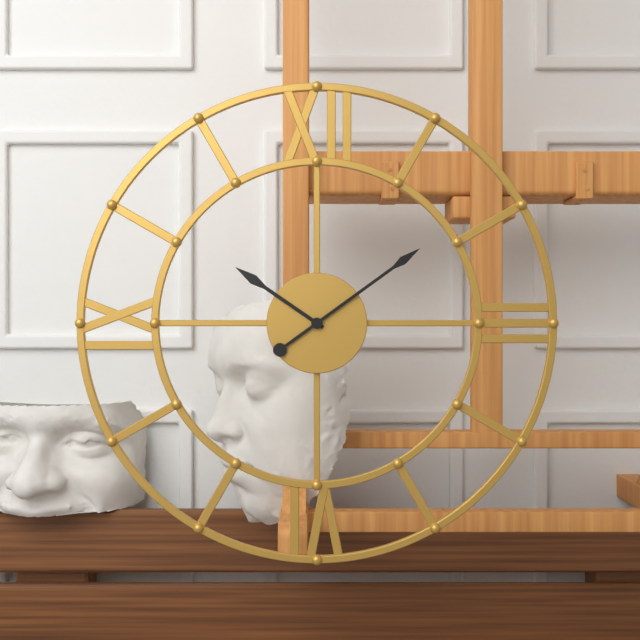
10:09
